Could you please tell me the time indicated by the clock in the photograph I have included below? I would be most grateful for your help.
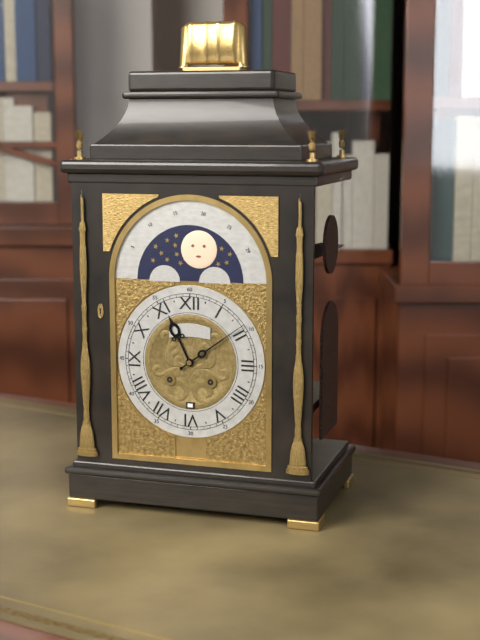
11:09
